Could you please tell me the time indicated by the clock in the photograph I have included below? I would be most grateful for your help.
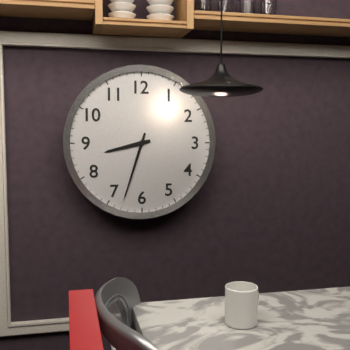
8:33
